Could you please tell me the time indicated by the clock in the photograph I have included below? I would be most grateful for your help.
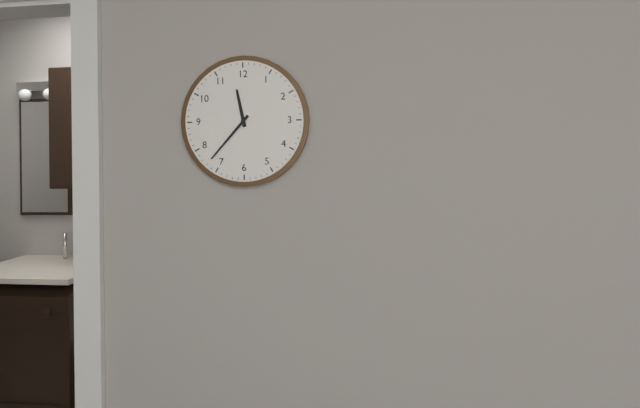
11:37
